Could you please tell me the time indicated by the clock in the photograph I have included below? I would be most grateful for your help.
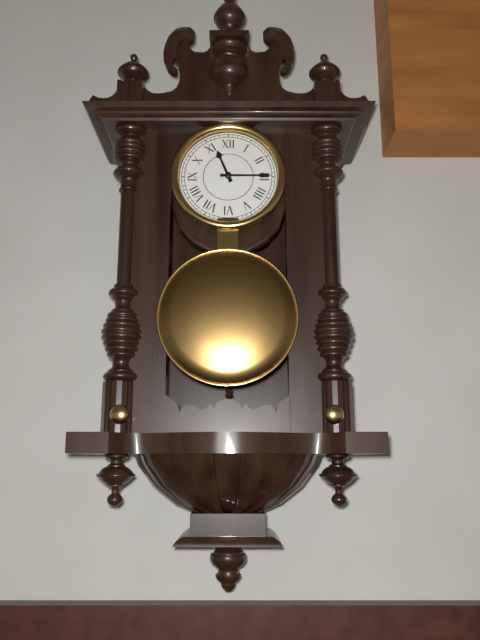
11:15
